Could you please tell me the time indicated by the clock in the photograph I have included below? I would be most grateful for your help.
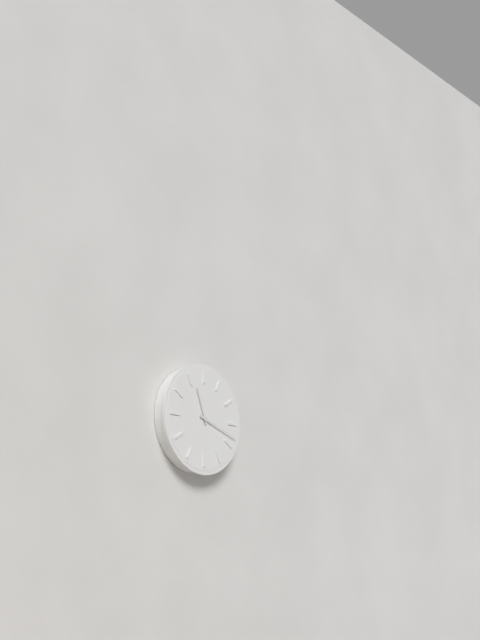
11:18
